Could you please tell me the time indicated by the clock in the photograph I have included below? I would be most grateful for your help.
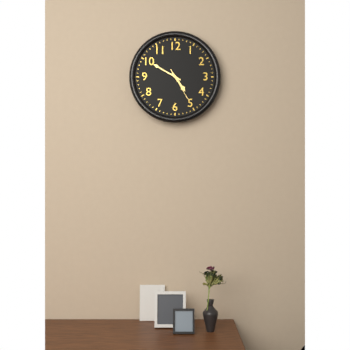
4:50
